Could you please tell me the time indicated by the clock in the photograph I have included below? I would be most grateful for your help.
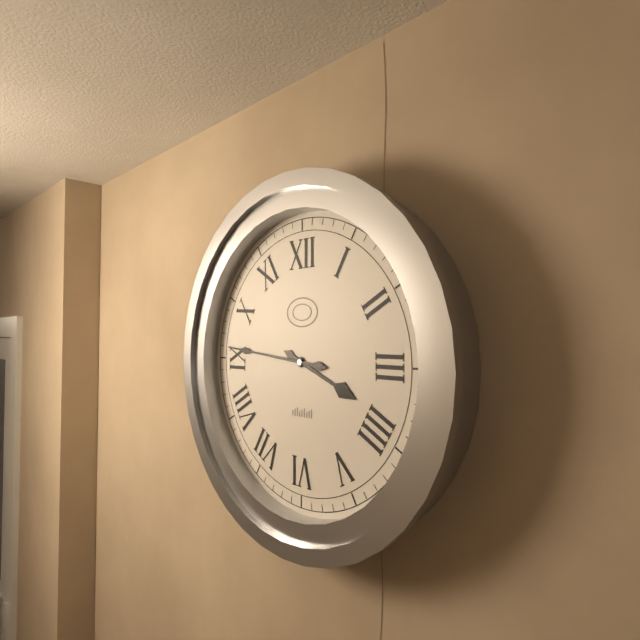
3:46
